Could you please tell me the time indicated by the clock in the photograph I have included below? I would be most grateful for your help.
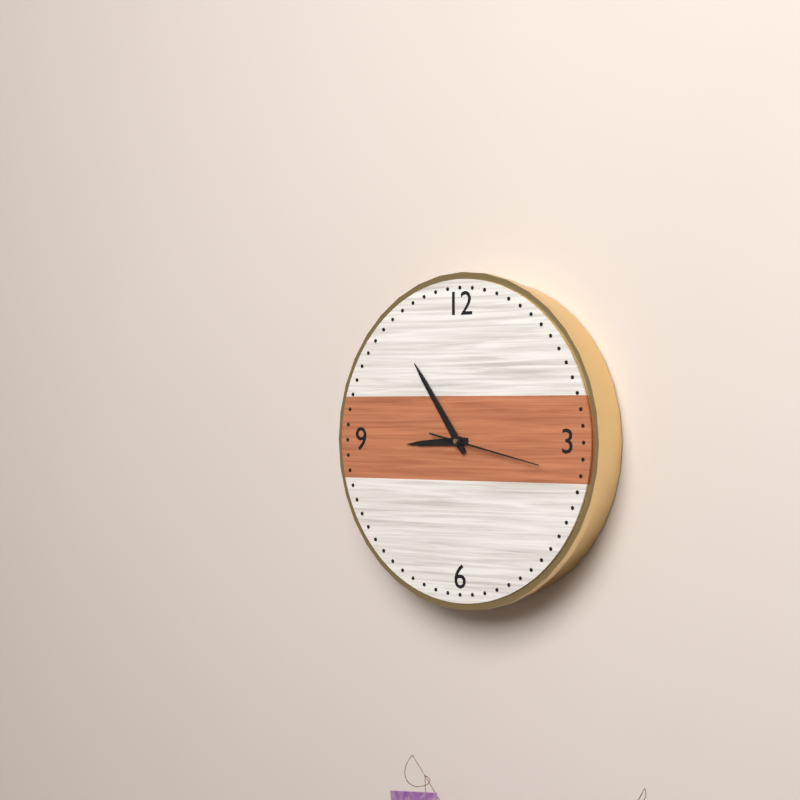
8:54:17
